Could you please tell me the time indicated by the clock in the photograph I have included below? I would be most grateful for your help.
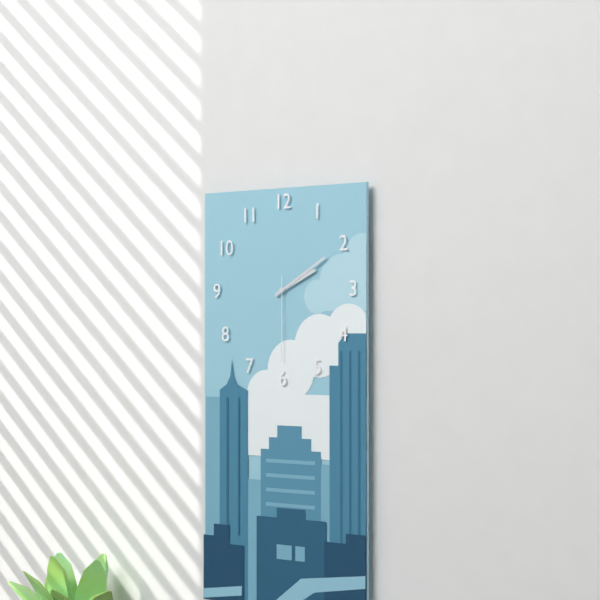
2:10:30
